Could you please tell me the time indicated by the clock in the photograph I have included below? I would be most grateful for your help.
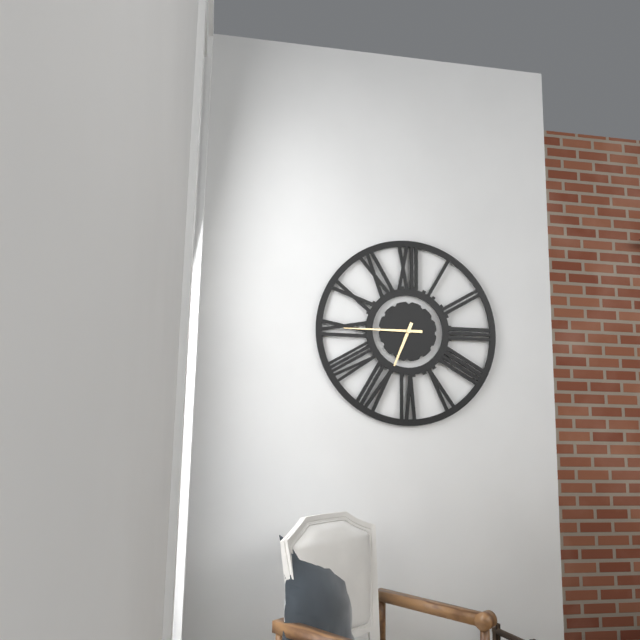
6:45
